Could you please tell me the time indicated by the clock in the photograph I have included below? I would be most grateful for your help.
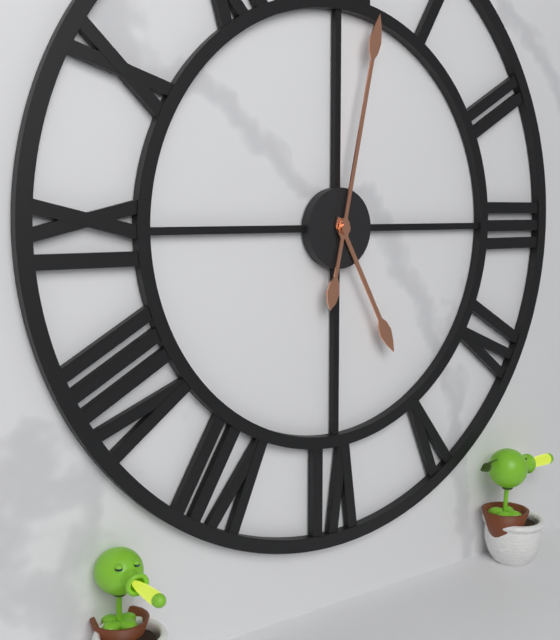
5:02
